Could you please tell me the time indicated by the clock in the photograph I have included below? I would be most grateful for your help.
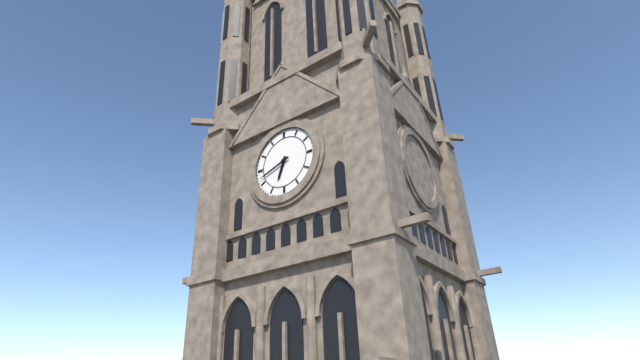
6:42
